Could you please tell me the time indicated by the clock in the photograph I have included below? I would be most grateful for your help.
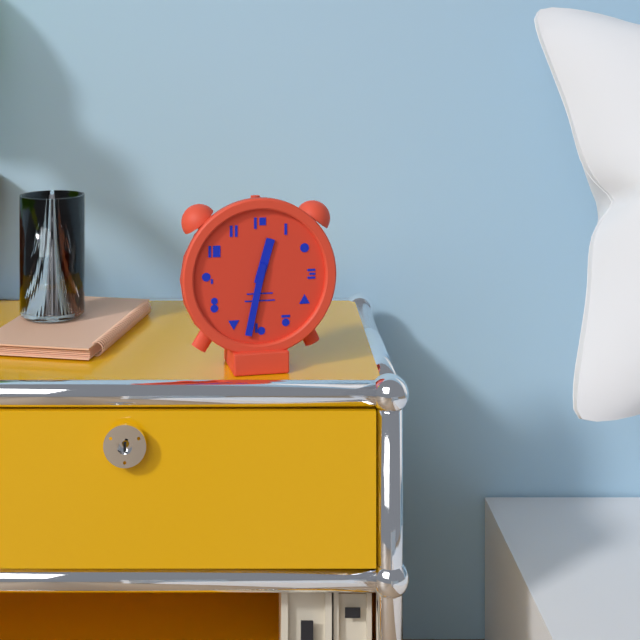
12:32
